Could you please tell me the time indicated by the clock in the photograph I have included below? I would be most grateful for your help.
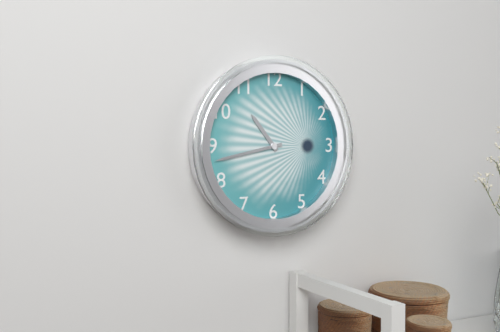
10:43
